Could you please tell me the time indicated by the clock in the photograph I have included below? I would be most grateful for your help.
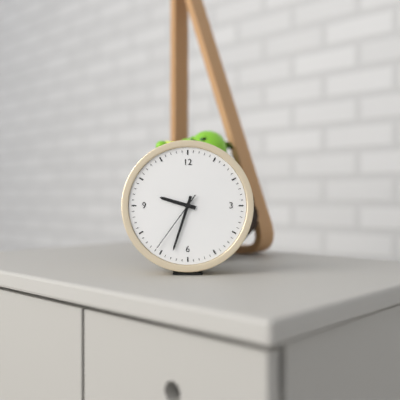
9:33:36
